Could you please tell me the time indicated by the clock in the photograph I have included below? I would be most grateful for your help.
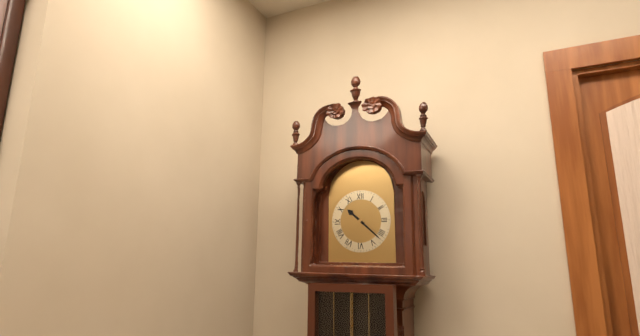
10:22
